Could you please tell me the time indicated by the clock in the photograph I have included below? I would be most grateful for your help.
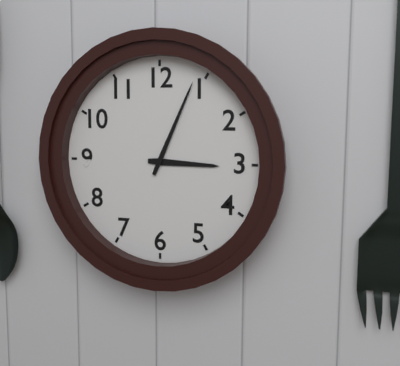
3:04
